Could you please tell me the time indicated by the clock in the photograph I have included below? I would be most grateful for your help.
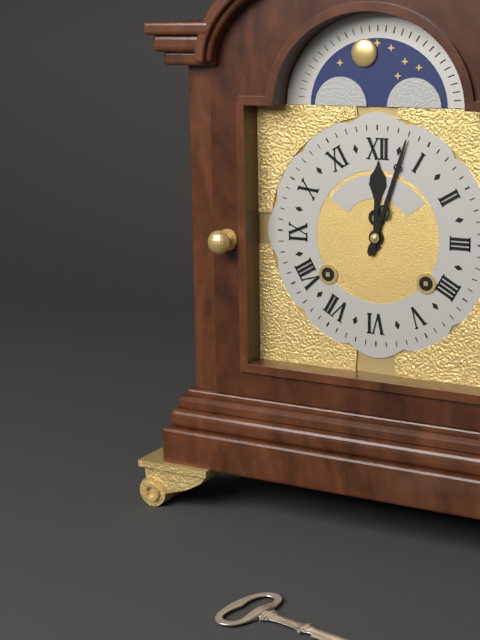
12:03
